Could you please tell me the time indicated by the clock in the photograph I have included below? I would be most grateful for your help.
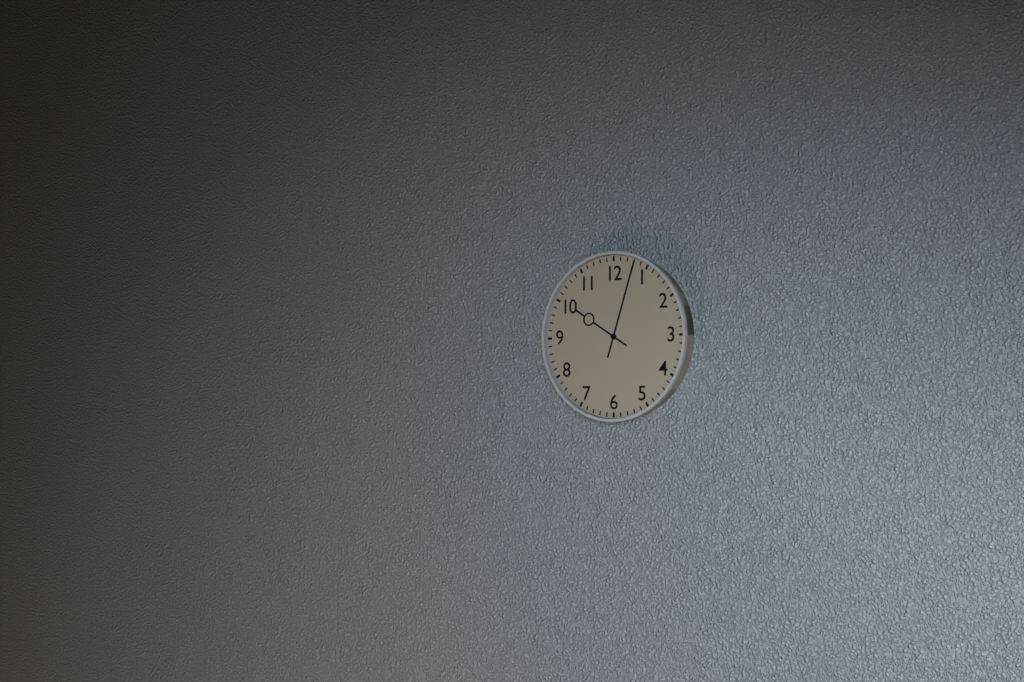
10:03
